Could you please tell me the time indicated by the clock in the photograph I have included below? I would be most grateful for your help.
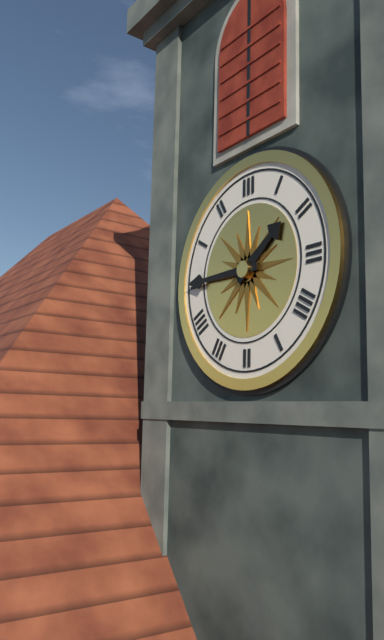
1:45
